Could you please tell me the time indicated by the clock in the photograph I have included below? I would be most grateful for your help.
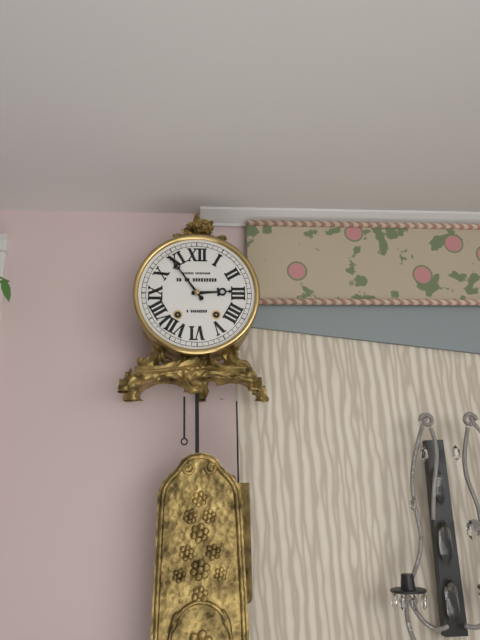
2:54
